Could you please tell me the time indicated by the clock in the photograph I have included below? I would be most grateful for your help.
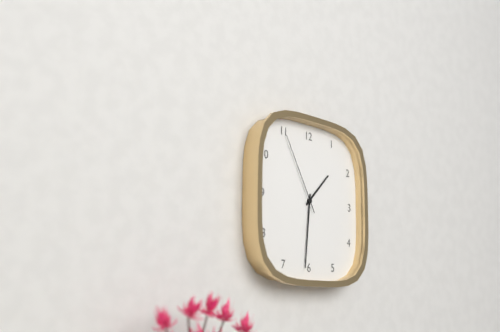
1:31:55
